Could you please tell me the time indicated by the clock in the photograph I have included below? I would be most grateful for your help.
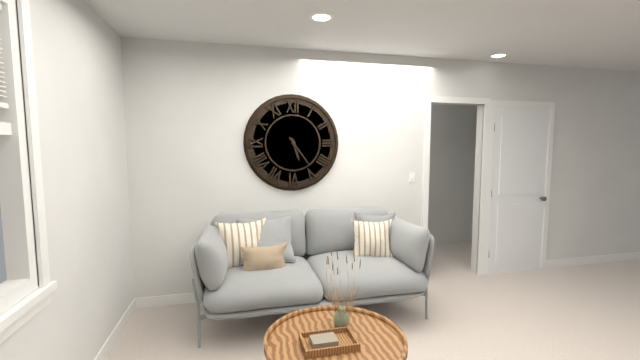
5:24
